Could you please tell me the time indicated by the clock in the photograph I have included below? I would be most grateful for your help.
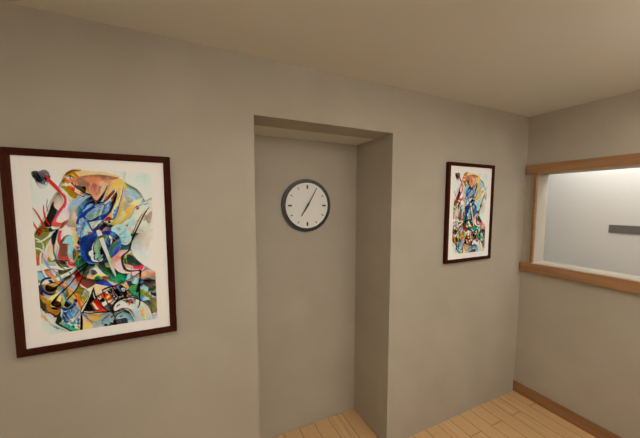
7:05
